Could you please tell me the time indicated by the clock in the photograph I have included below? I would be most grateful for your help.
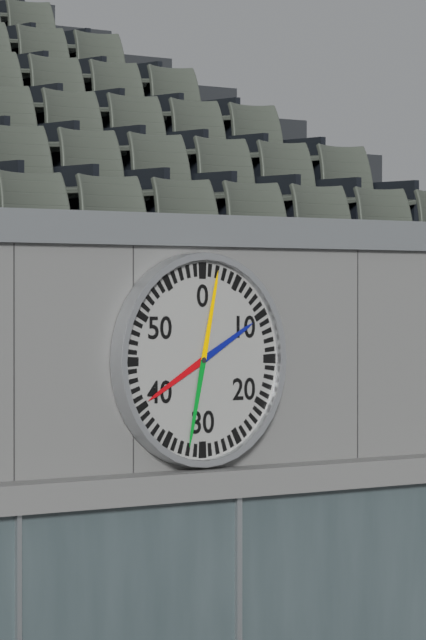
8:02
